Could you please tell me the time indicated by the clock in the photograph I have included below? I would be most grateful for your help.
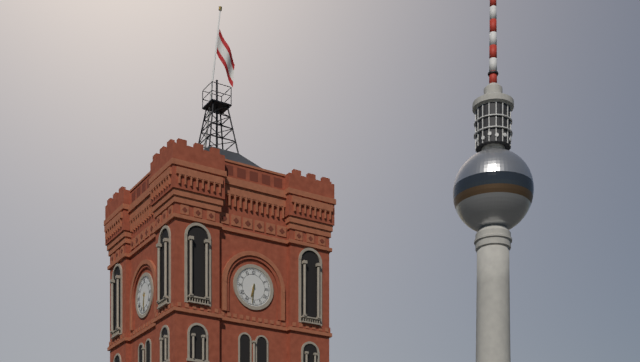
6:31
